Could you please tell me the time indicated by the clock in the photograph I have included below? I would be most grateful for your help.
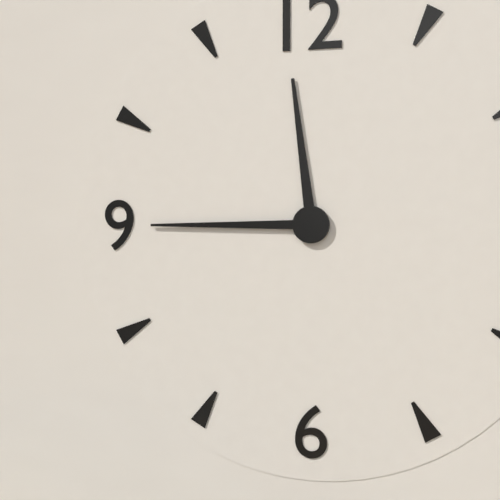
11:45
